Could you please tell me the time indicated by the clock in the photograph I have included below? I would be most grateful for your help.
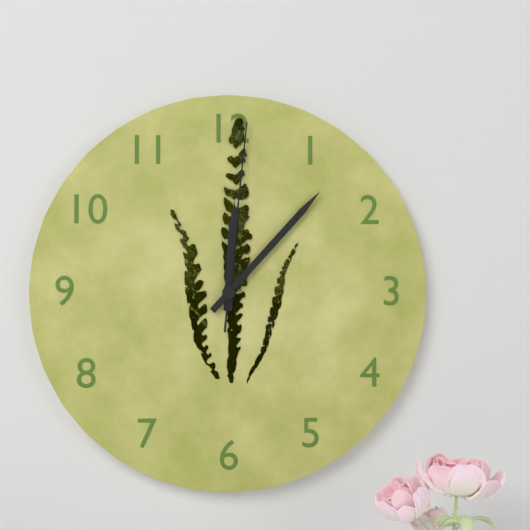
12:07:01
